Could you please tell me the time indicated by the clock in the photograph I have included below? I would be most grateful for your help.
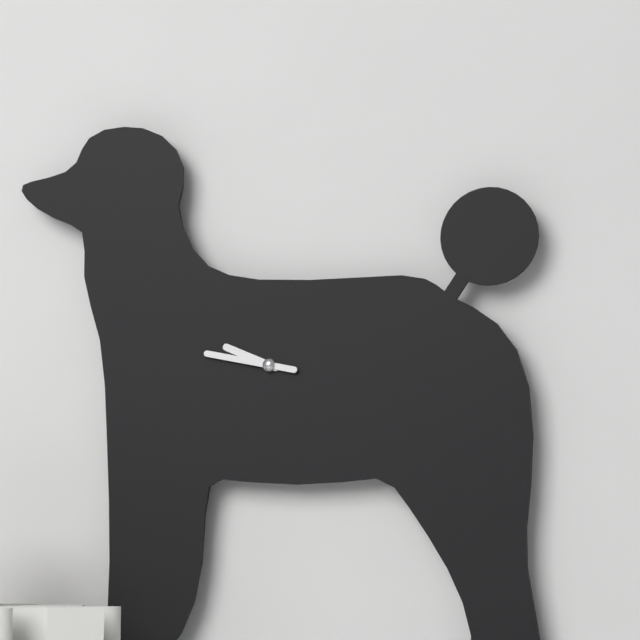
9:47
